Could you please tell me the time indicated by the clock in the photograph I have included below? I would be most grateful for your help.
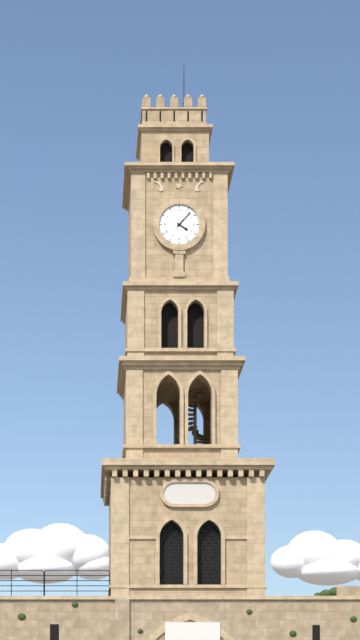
4:07
